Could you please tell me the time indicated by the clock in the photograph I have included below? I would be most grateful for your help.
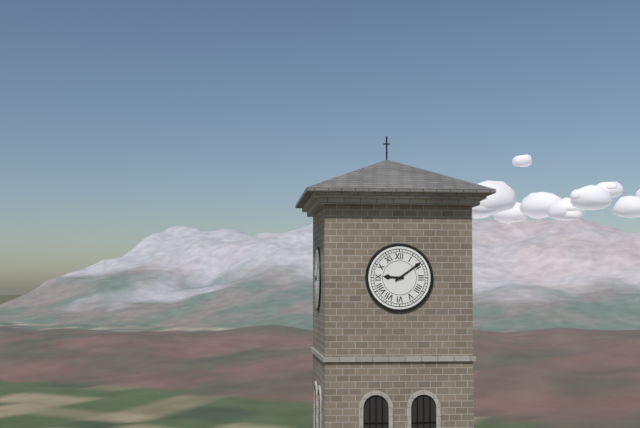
9:09
